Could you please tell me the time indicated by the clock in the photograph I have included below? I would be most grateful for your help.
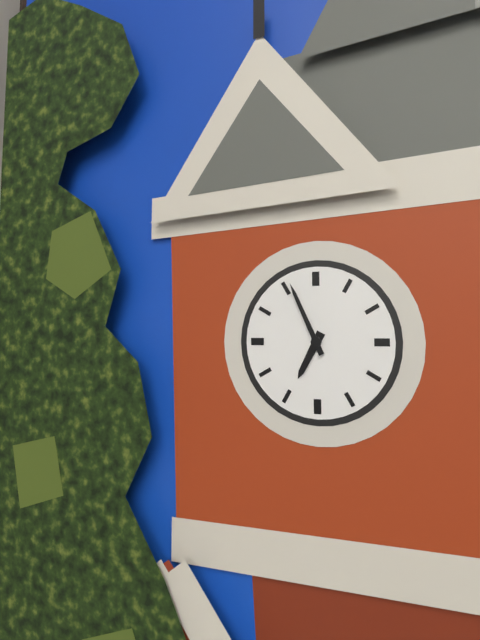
6:56
